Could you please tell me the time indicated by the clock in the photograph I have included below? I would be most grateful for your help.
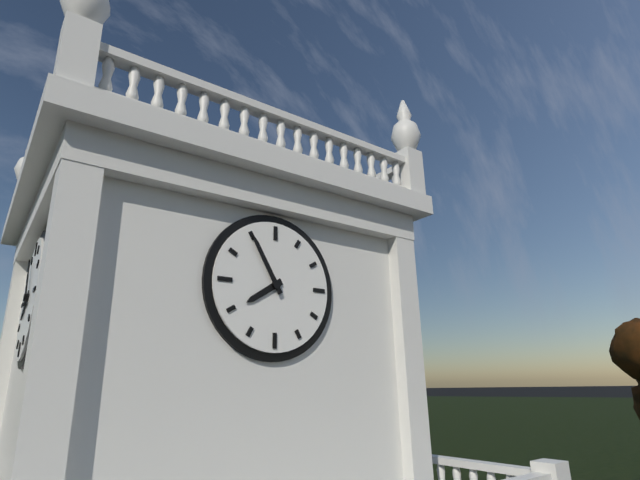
7:55
